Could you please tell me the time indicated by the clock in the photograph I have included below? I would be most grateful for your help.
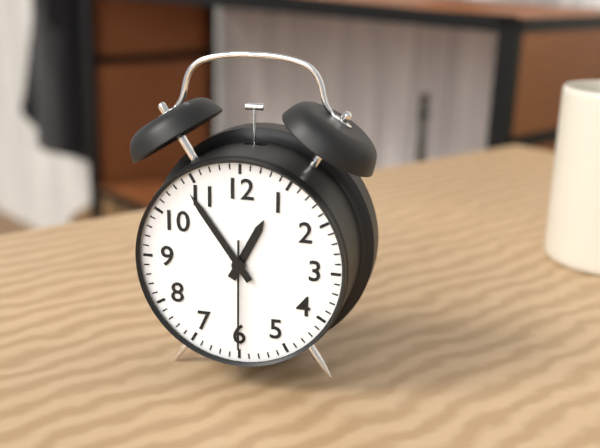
12:54:30
